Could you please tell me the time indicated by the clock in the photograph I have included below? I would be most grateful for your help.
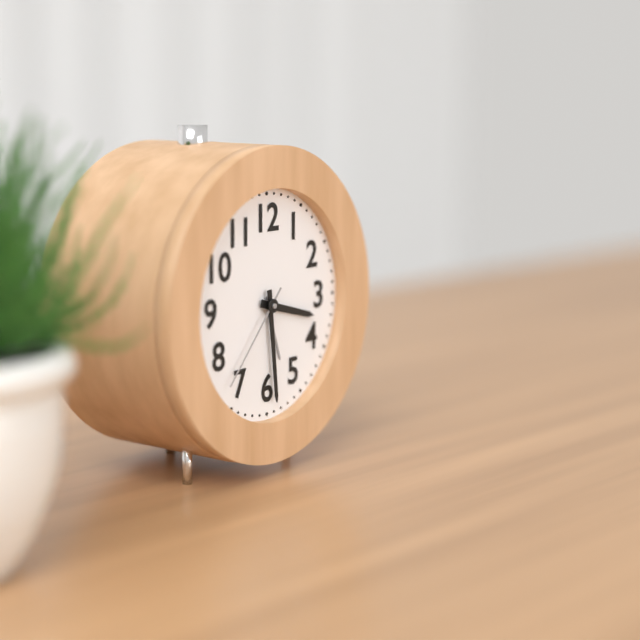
3:29:37
